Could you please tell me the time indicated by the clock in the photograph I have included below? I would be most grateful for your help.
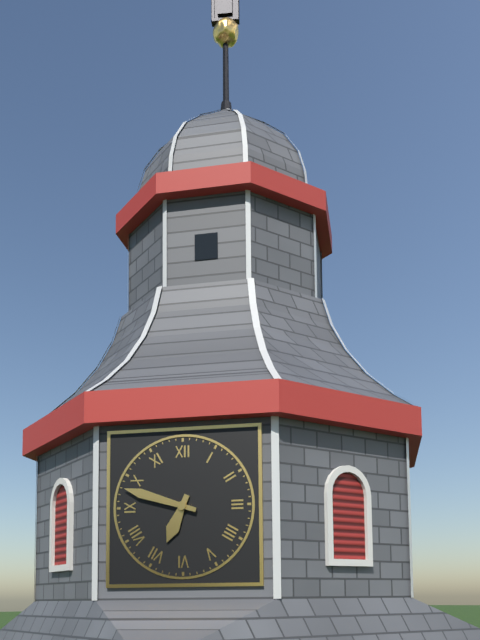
6:48
